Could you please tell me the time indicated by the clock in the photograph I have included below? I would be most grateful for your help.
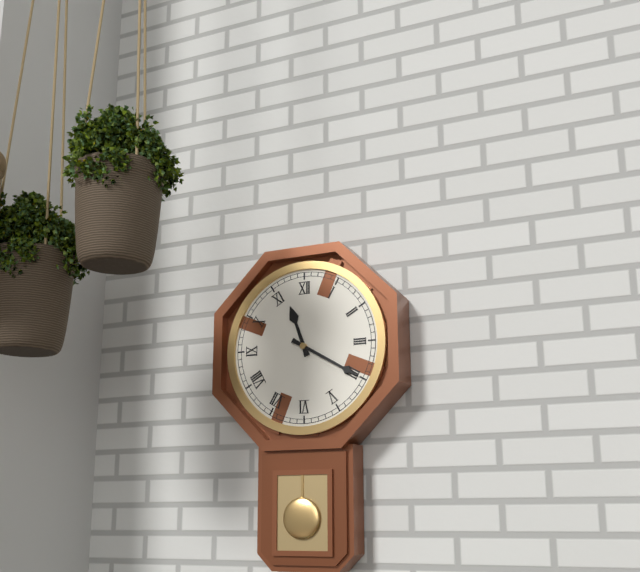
11:20
